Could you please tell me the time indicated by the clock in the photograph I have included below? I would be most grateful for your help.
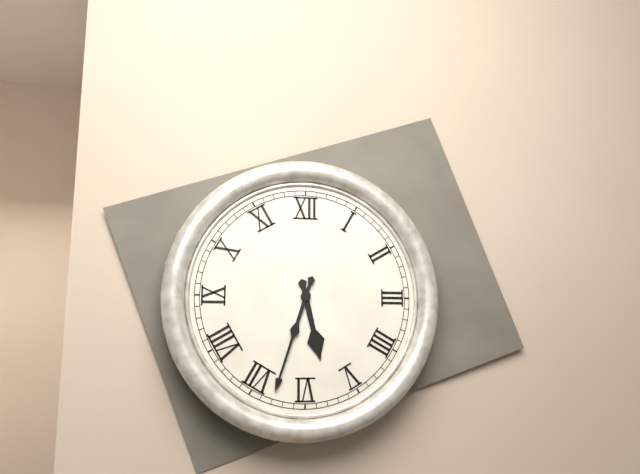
5:33
